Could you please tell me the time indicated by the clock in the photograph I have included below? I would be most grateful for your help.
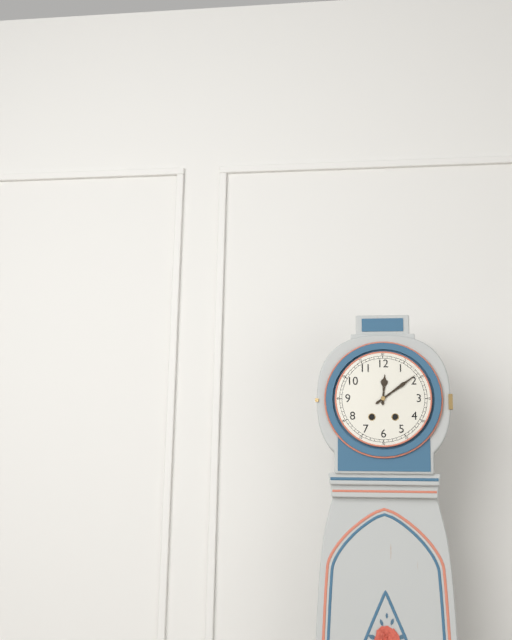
12:09
